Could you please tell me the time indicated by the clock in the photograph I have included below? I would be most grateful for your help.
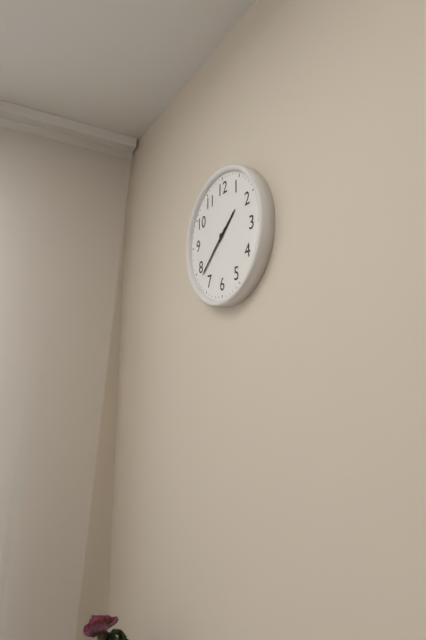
1:38
